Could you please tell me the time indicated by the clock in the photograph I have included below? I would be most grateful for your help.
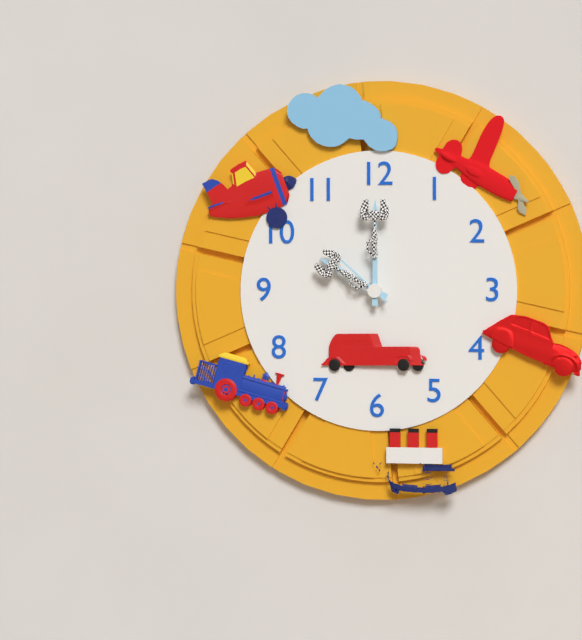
10:00:52
